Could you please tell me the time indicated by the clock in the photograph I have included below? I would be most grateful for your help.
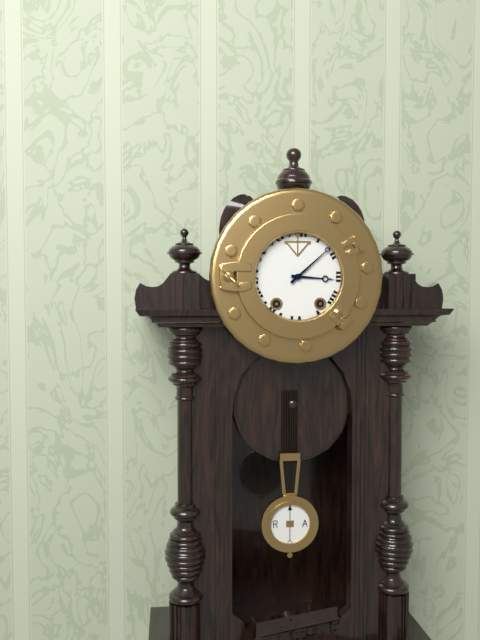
3:08
